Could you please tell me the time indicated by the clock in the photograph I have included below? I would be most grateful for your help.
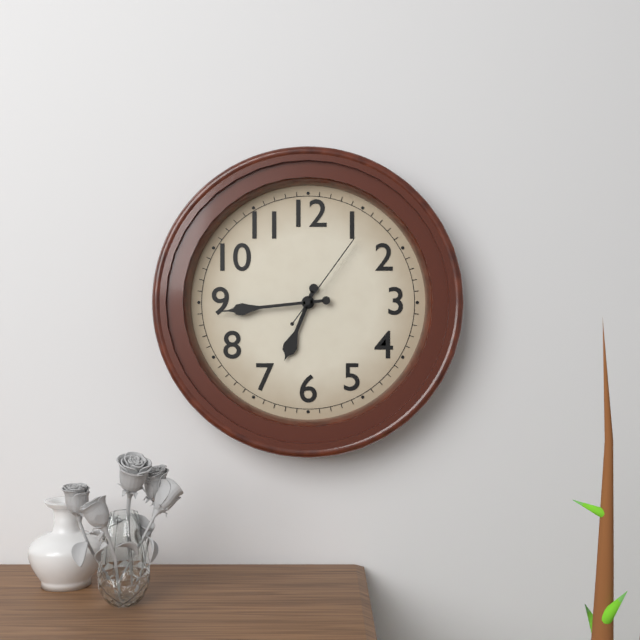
6:44:06
